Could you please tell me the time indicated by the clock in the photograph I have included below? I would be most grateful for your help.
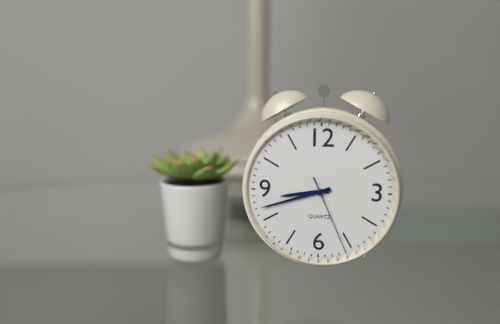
8:42:26
